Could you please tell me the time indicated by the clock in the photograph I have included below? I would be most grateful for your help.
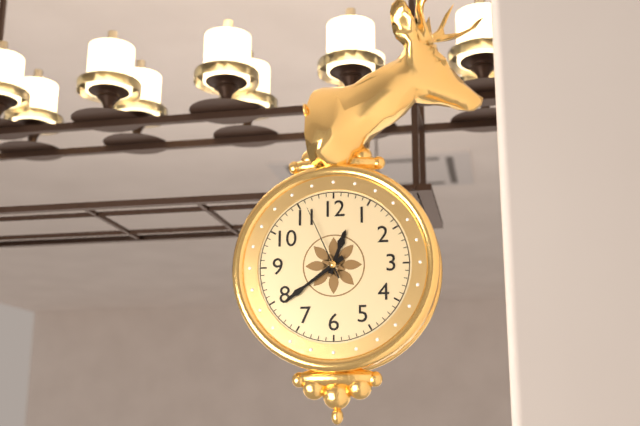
12:39:56
